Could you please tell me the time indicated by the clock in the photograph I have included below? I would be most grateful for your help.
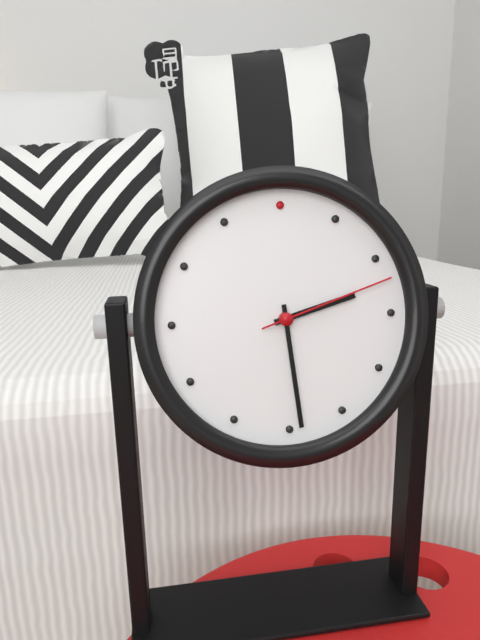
2:29:12
